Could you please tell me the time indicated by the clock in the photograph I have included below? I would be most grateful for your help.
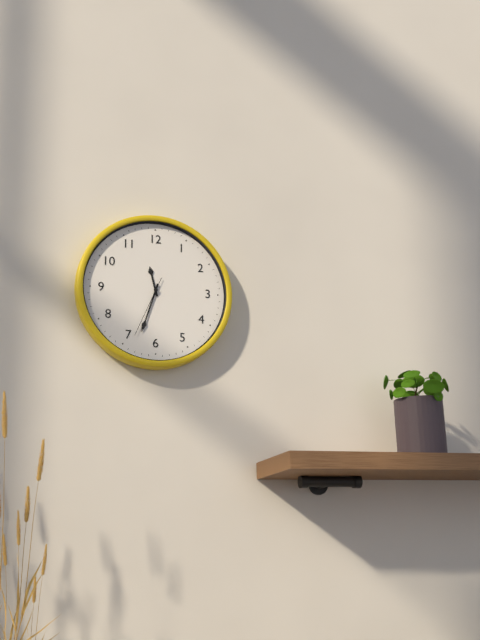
11:33:34
